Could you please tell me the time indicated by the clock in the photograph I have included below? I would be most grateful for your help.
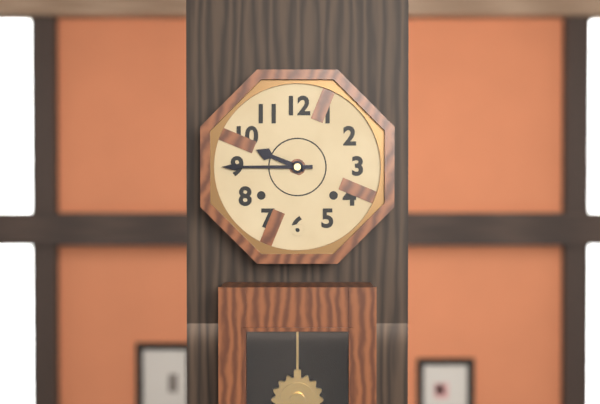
9:45
